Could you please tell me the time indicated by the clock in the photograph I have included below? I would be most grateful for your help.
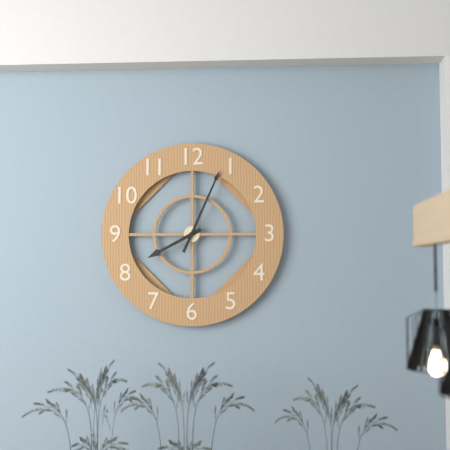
8:04
